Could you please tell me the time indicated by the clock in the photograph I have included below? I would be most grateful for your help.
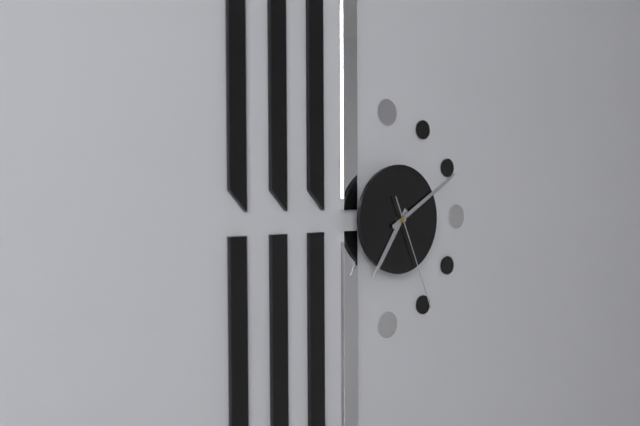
7:10:26
